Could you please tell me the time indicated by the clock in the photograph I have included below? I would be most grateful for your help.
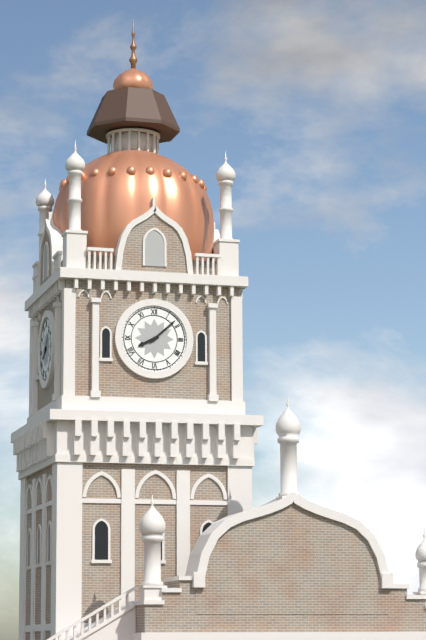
8:08
